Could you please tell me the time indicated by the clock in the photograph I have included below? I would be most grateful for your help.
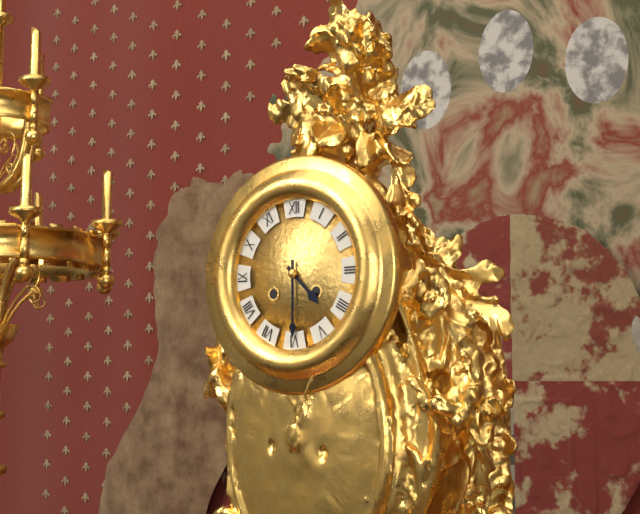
4:30
